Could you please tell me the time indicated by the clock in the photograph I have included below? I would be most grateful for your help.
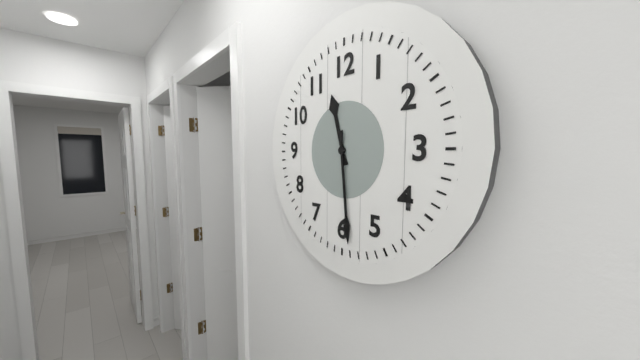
11:29
